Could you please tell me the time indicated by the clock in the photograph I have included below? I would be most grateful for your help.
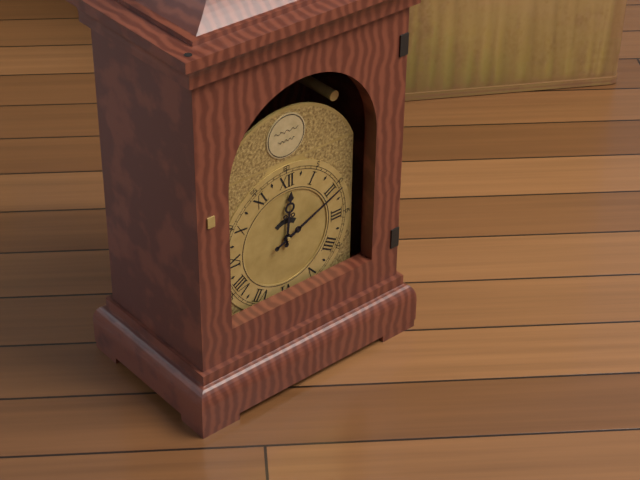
12:11
